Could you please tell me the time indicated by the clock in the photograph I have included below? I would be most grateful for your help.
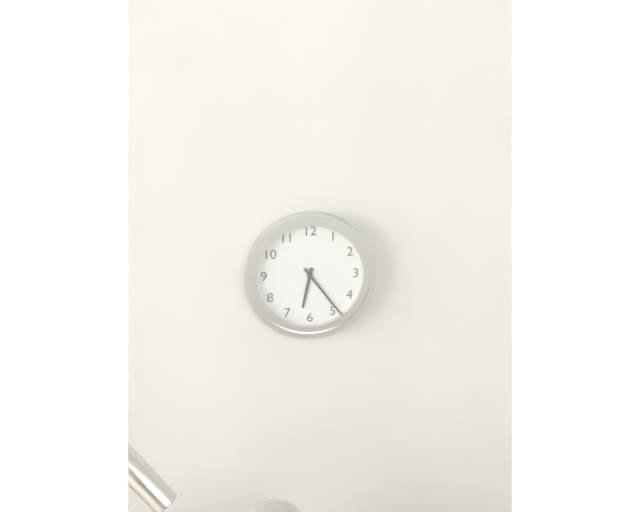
6:24
